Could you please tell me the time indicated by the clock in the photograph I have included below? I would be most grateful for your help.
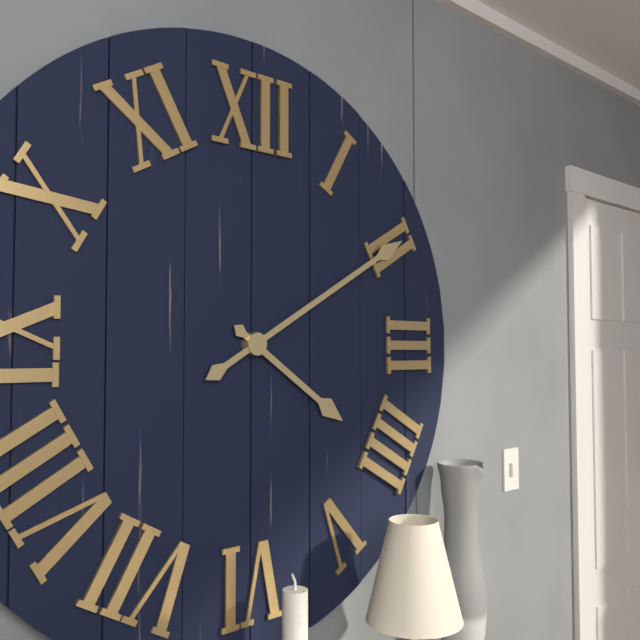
4:10
